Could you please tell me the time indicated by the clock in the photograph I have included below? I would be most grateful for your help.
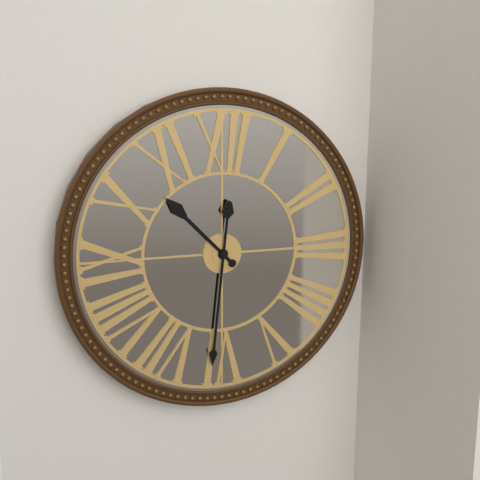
10:31
